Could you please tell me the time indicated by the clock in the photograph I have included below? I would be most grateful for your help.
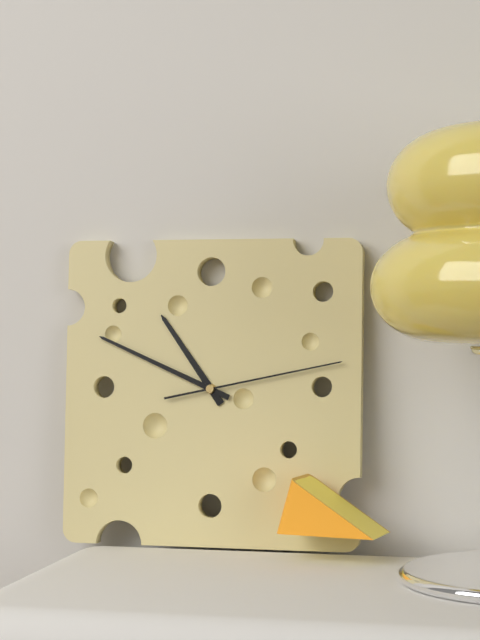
10:49:13
